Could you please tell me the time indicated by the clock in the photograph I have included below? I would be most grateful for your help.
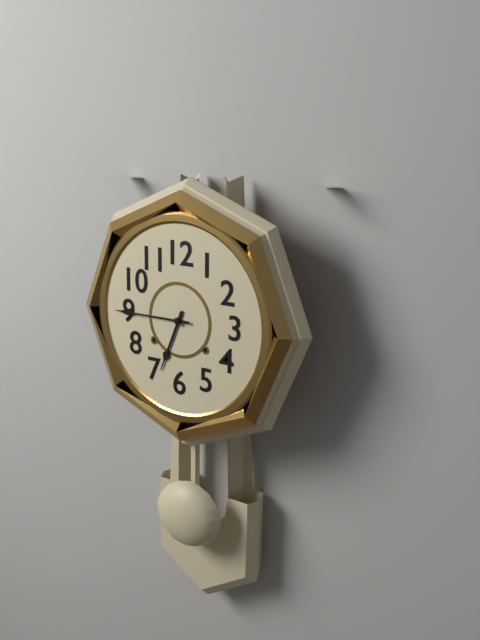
6:45
